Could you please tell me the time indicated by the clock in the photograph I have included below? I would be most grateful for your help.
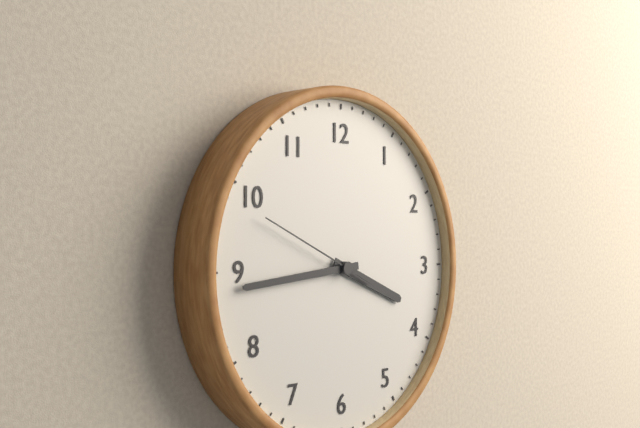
3:44:49
